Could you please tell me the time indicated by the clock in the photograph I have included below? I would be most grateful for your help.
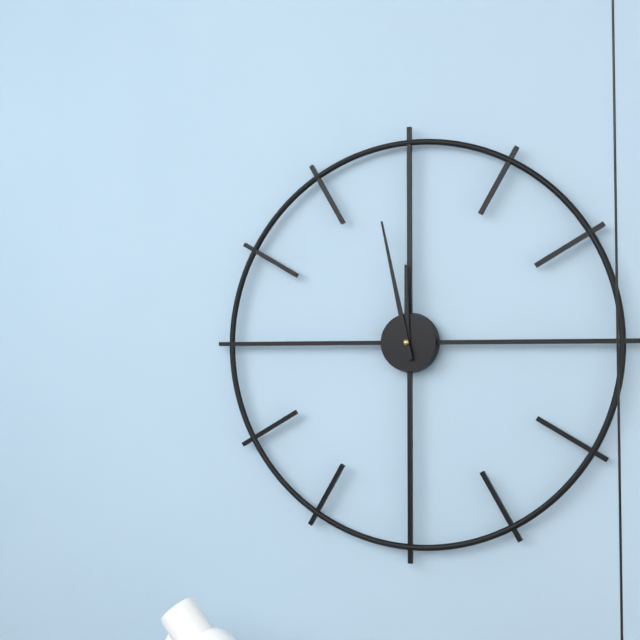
11:58
